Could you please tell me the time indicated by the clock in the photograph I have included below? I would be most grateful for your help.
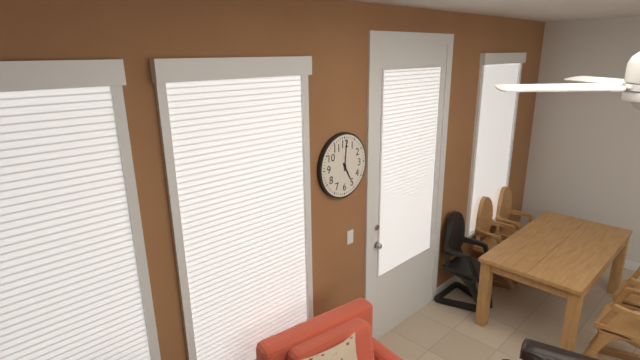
5:01
